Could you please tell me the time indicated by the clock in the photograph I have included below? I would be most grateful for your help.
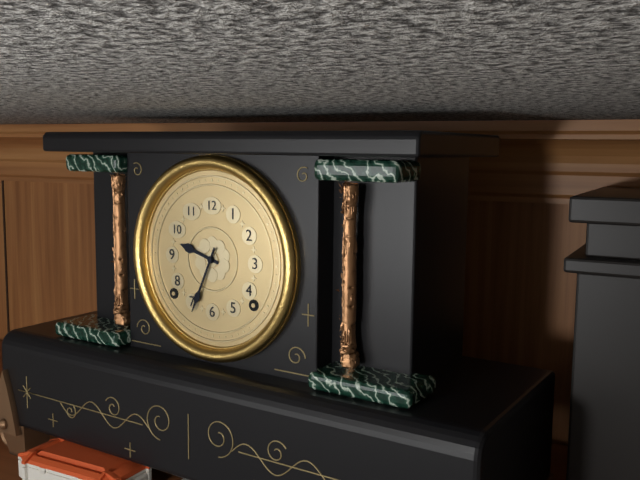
9:34
